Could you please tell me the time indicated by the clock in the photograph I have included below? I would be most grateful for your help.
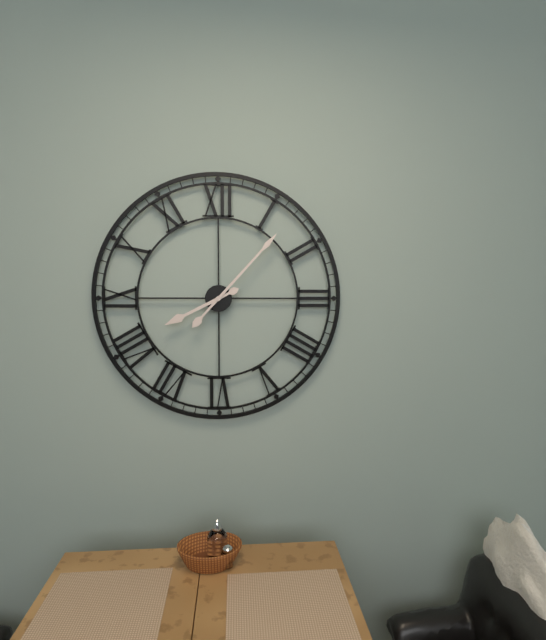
8:07
